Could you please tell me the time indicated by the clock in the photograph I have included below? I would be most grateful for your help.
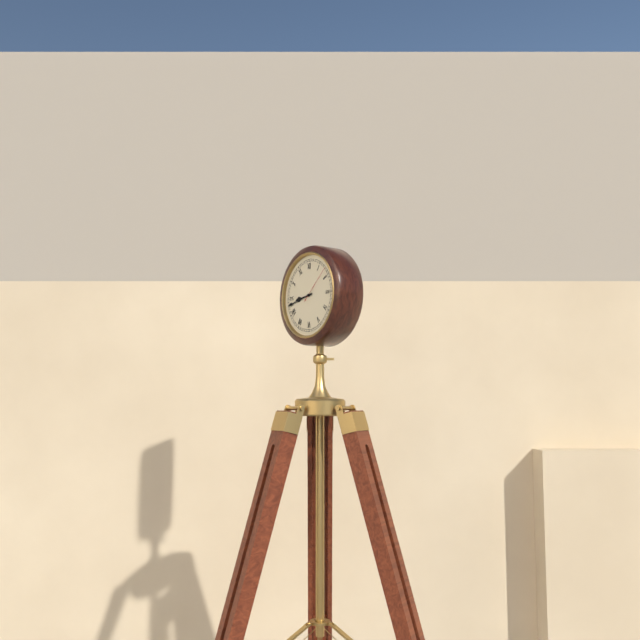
8:43
